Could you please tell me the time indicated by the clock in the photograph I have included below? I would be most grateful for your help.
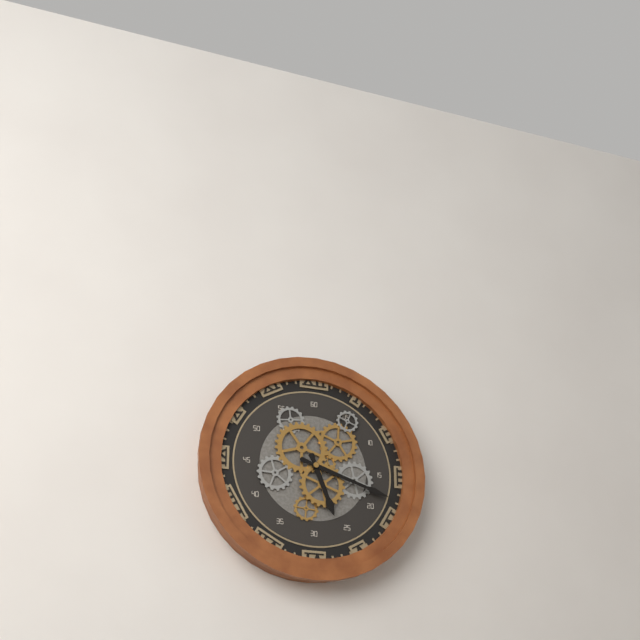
5:18
